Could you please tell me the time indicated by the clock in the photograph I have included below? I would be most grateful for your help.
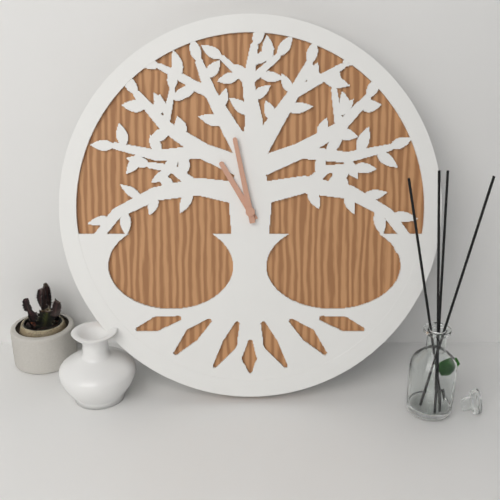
10:58
